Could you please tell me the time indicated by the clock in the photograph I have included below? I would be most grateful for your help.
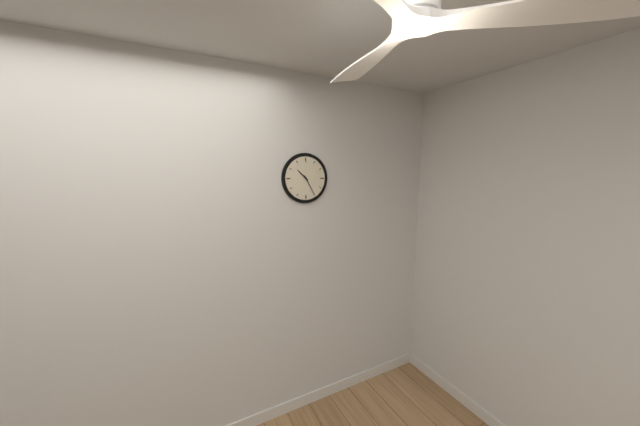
10:25
